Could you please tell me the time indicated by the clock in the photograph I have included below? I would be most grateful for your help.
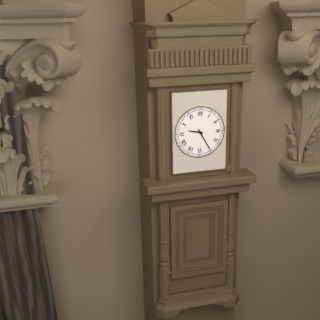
9:25
